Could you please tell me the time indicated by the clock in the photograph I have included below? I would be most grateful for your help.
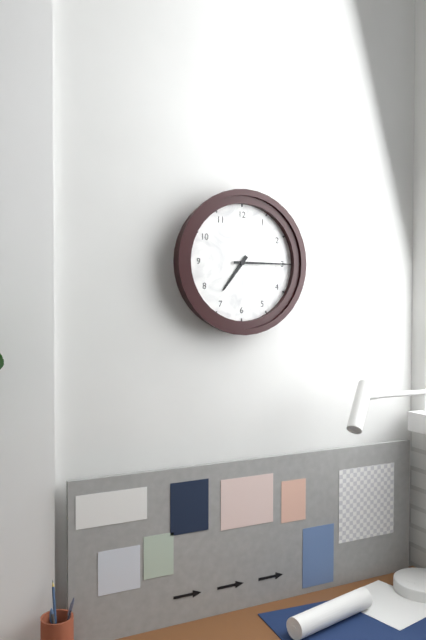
7:15
